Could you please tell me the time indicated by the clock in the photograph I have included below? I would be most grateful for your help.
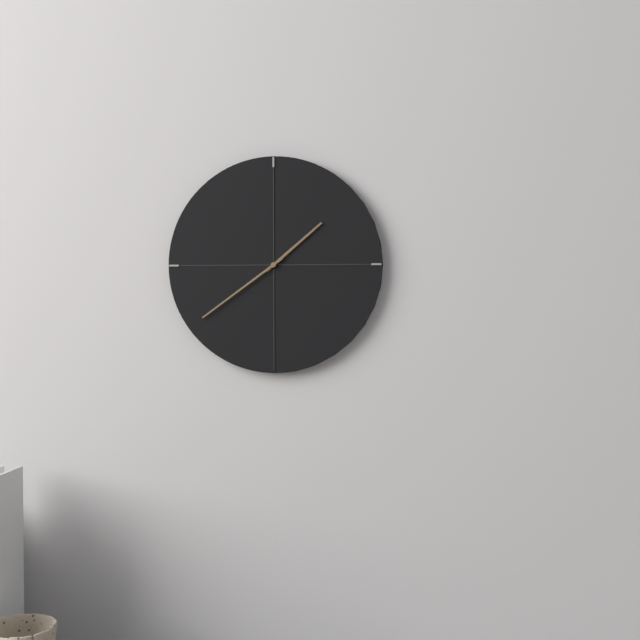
1:39
